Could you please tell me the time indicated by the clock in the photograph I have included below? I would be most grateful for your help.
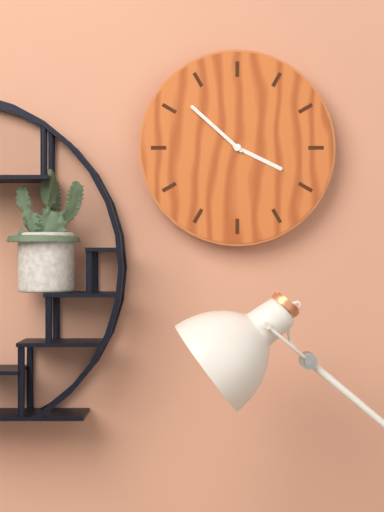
3:52
